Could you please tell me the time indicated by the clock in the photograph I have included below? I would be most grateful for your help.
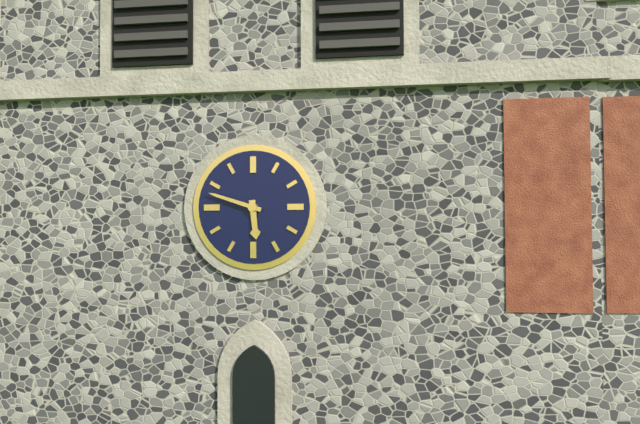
5:48
